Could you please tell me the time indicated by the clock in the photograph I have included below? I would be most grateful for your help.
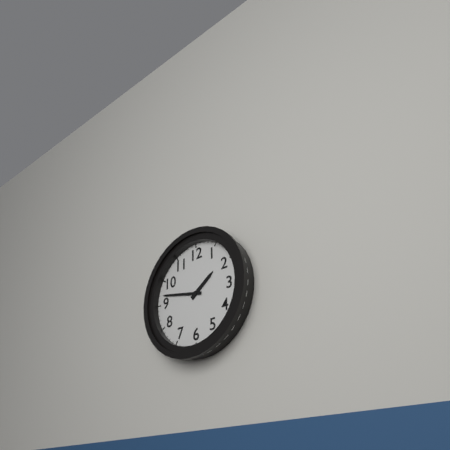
1:47
